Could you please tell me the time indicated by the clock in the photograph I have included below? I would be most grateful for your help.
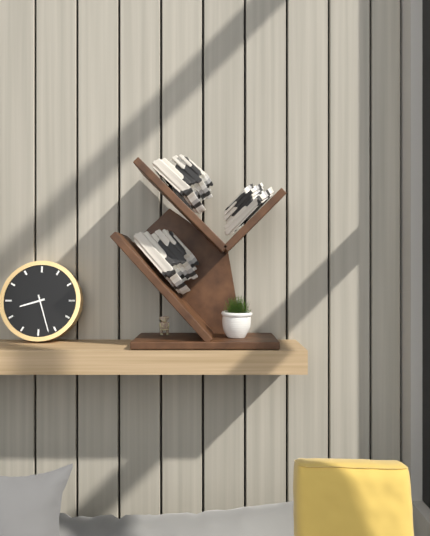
8:27
